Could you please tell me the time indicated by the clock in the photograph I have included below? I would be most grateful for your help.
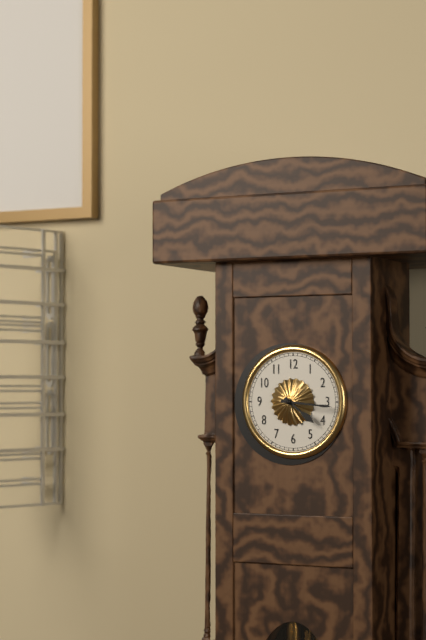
4:16
